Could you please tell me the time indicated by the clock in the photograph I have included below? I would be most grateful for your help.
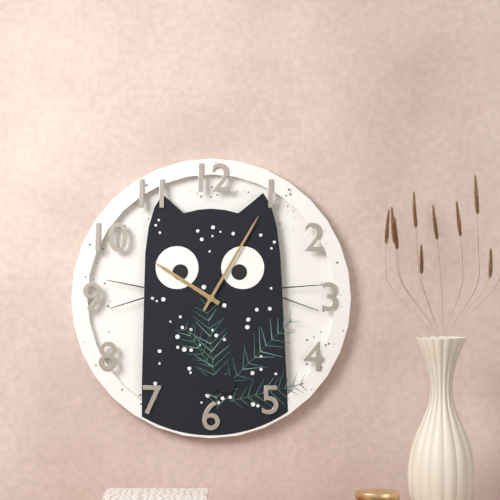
10:05
